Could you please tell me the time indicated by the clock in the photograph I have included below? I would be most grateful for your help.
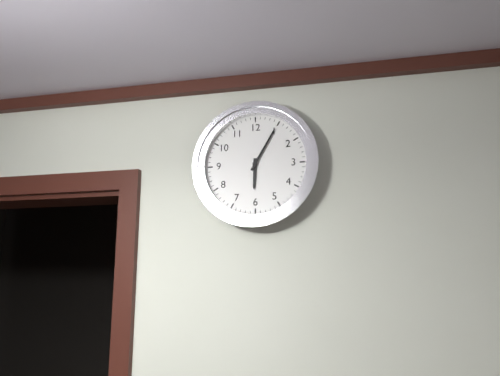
6:05
